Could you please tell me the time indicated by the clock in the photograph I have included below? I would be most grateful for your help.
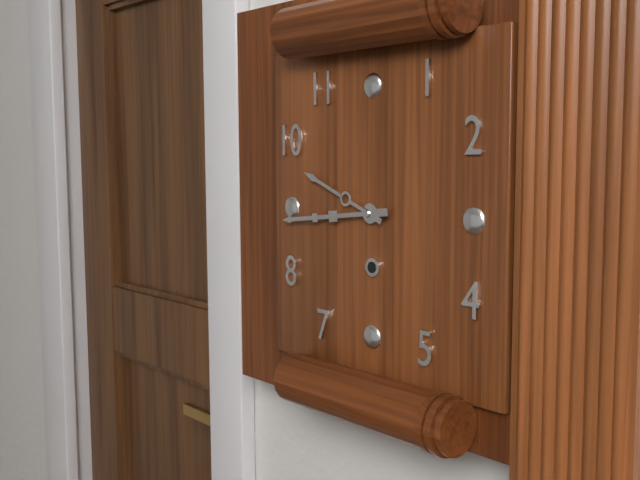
9:44
